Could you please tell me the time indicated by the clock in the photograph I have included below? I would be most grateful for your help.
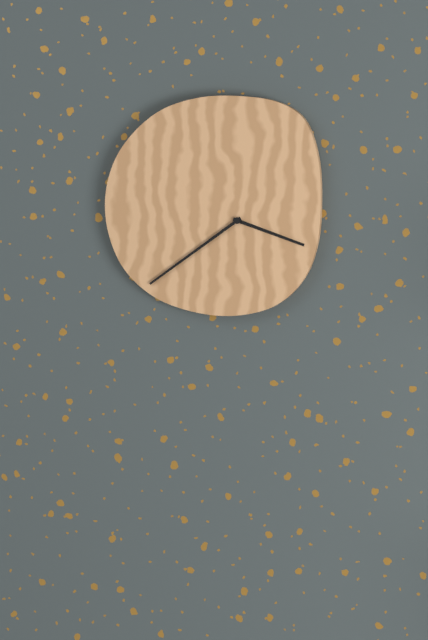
3:39
